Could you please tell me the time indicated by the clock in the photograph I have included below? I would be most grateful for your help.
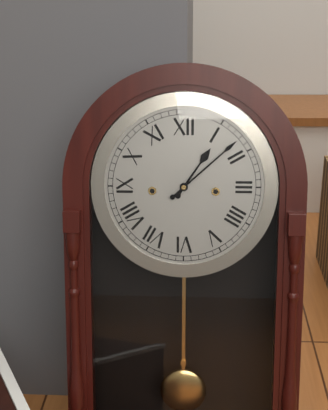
1:08
